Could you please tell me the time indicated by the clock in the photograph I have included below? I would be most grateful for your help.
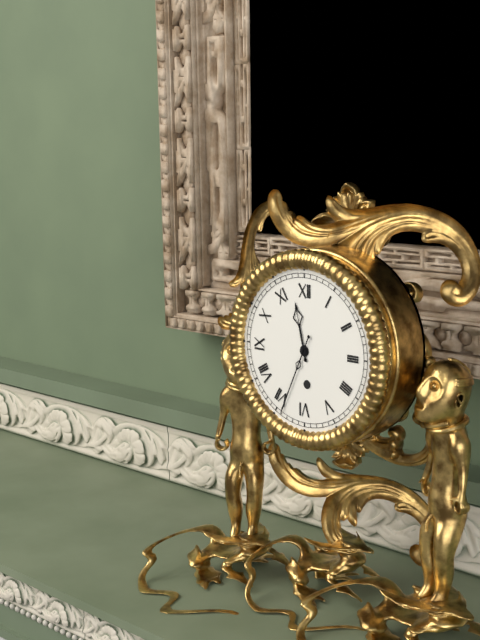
11:34
